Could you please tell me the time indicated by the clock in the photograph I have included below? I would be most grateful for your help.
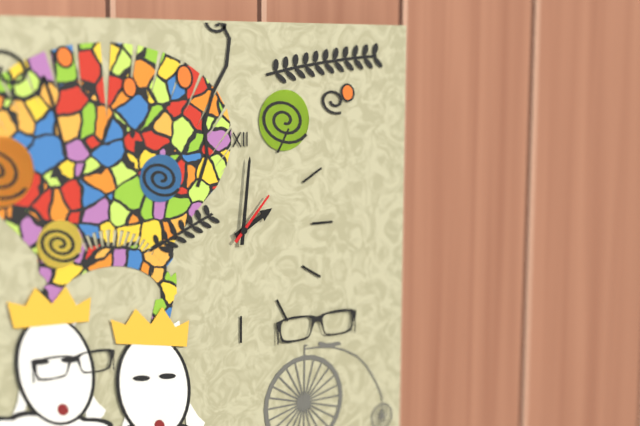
2:01:07
